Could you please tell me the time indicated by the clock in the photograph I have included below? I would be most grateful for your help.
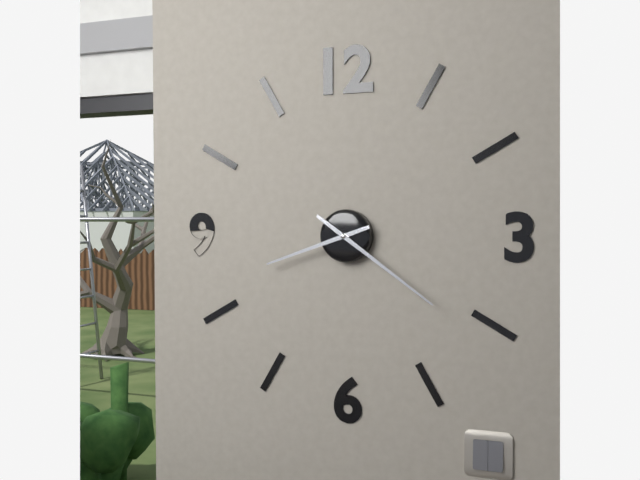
8:21
